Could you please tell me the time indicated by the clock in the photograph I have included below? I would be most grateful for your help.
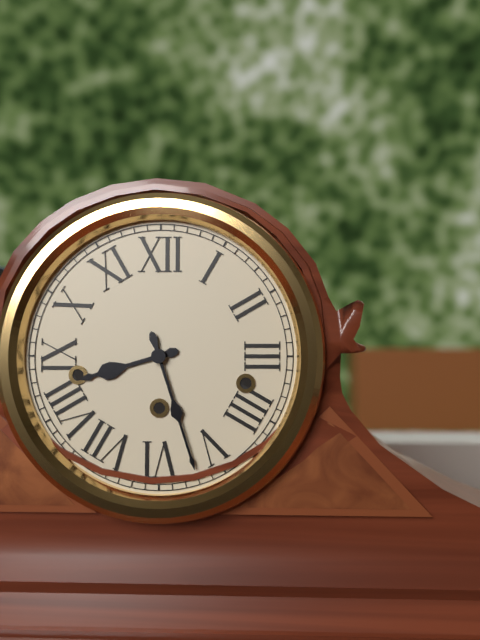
8:27
